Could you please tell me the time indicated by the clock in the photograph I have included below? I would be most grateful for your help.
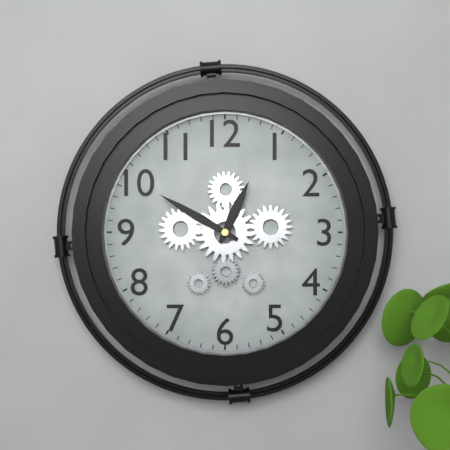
12:50
